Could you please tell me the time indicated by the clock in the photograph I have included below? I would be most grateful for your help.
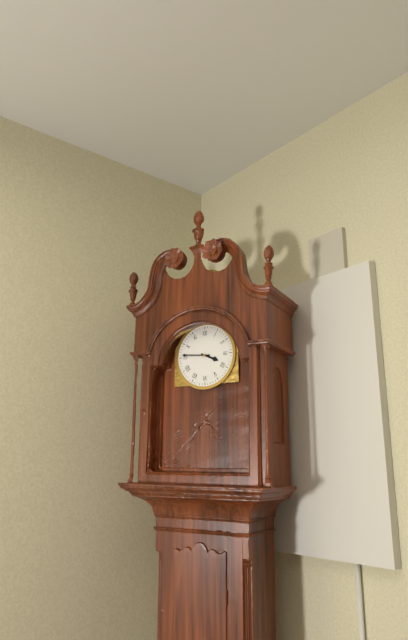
3:46
